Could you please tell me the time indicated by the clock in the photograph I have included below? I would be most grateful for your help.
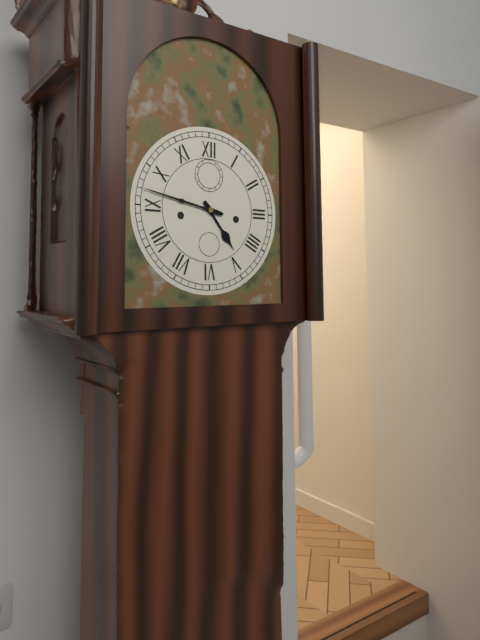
4:47
